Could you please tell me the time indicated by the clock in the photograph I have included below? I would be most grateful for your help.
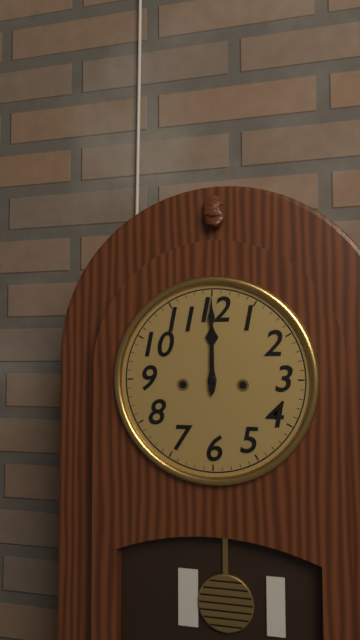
12:00
